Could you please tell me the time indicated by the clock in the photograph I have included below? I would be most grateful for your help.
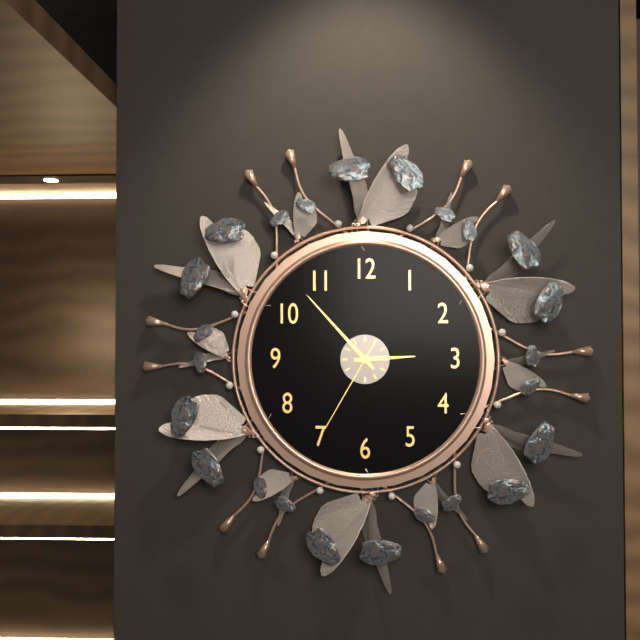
2:53:35
